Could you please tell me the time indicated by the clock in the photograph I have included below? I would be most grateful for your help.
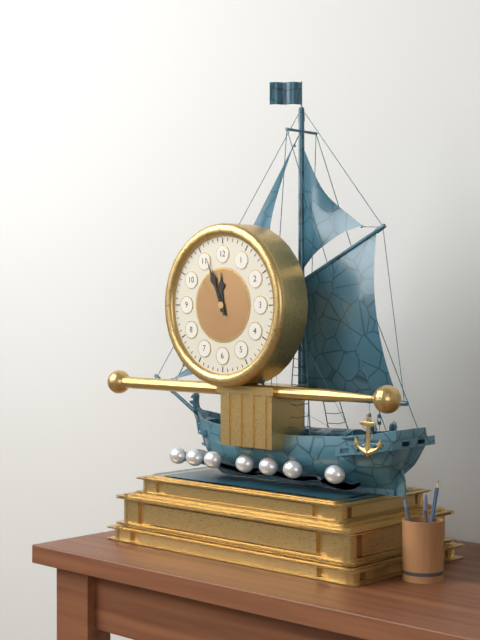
11:56
